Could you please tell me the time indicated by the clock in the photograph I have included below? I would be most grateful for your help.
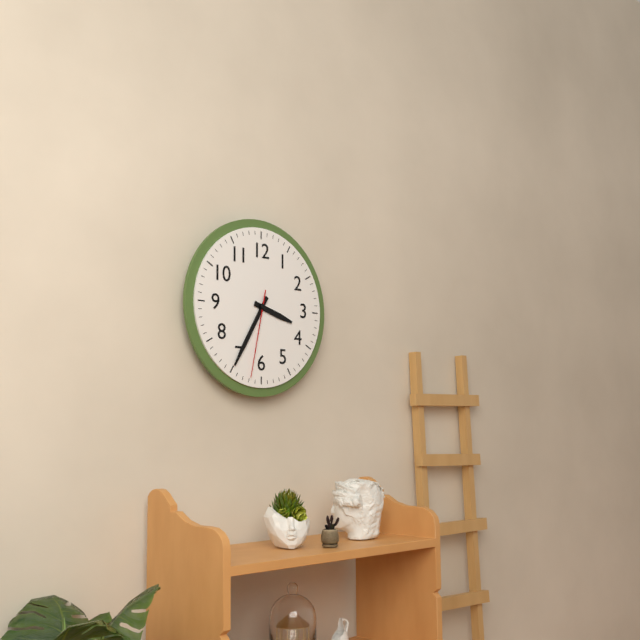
3:35:32
